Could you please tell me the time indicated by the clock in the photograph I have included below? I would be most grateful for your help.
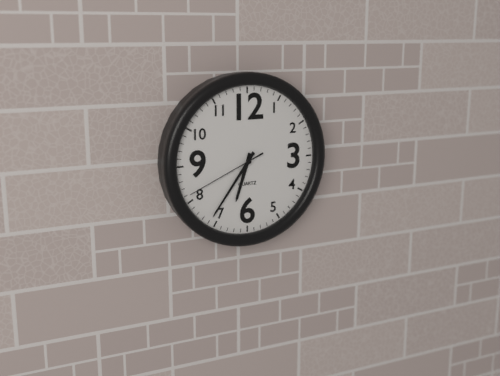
6:36:41
